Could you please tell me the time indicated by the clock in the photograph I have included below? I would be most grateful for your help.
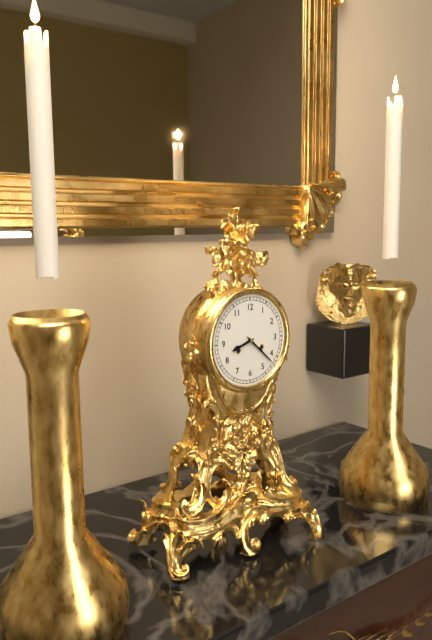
8:22
